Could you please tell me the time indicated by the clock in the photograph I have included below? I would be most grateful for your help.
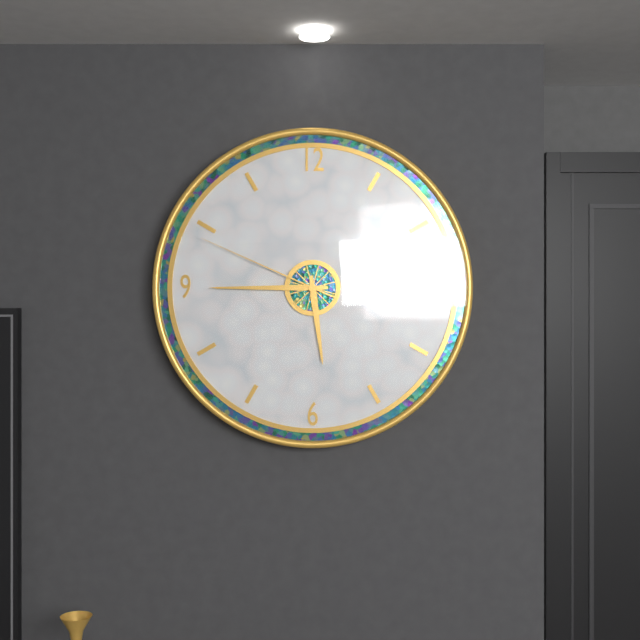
5:45:49
